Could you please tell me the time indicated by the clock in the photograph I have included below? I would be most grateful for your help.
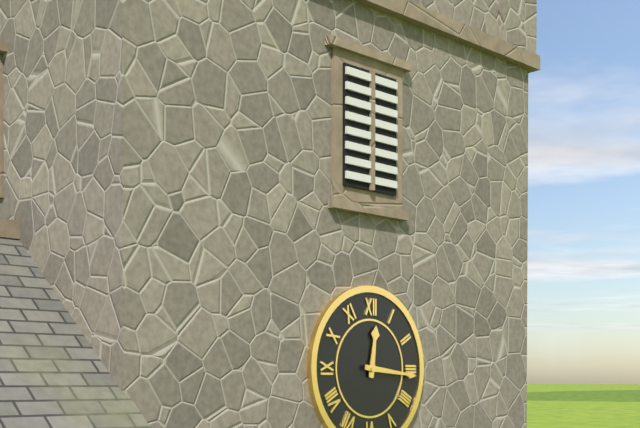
12:16
